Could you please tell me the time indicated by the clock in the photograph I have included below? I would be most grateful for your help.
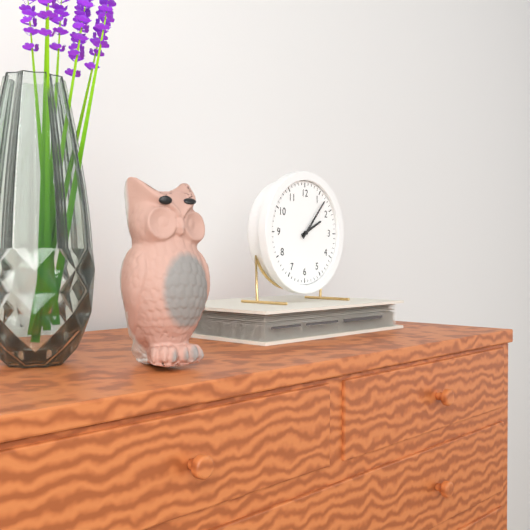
2:07
